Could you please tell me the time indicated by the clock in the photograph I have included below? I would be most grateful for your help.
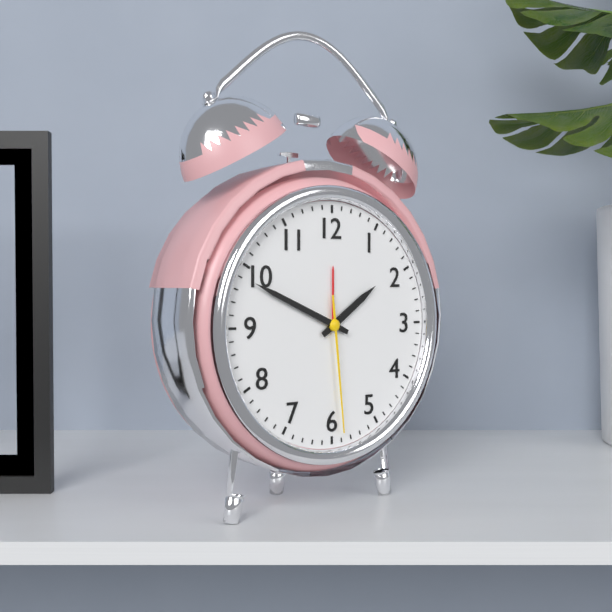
1:49:29
